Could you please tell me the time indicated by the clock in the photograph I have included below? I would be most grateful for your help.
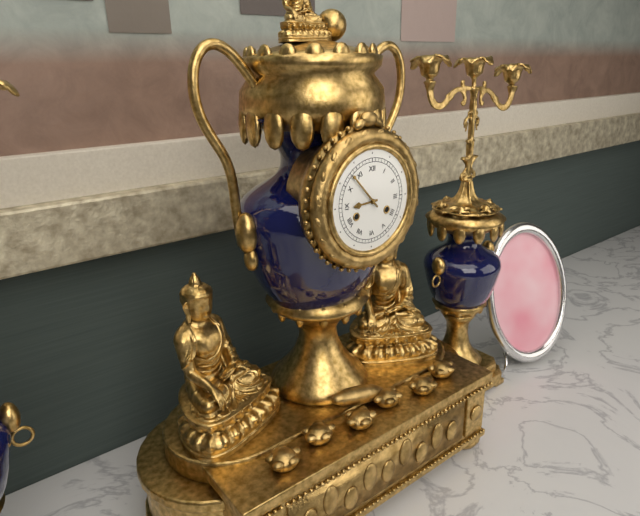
8:53
